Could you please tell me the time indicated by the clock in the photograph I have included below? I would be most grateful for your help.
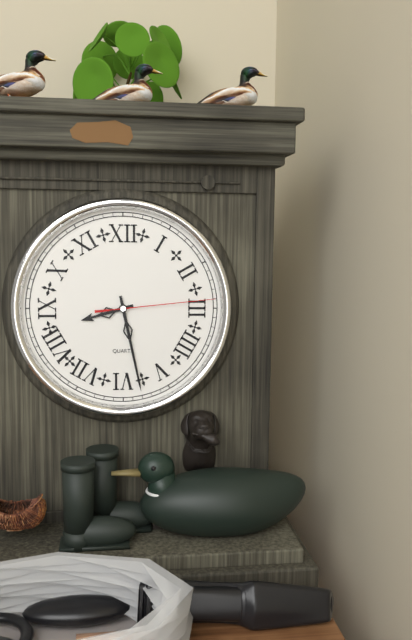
8:28:14
